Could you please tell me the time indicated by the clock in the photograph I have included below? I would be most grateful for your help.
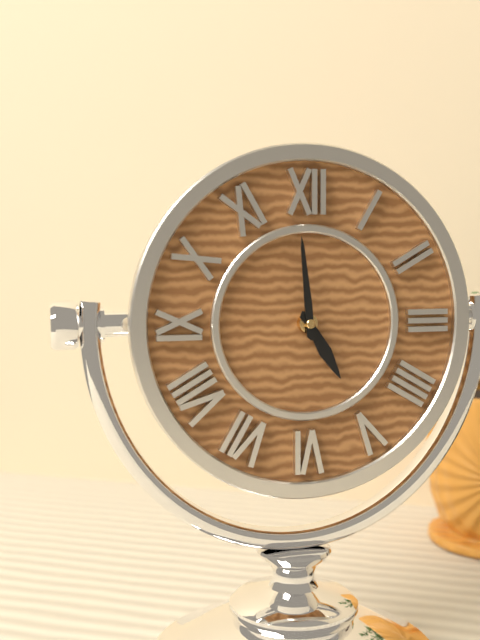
4:59
